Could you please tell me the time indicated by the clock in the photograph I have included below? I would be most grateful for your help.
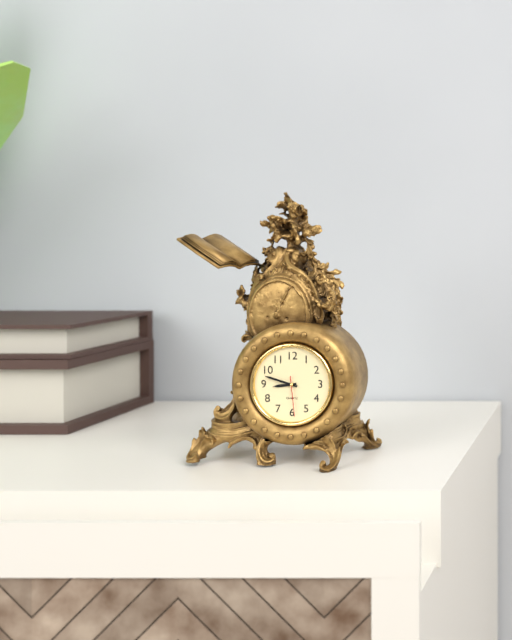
8:48
